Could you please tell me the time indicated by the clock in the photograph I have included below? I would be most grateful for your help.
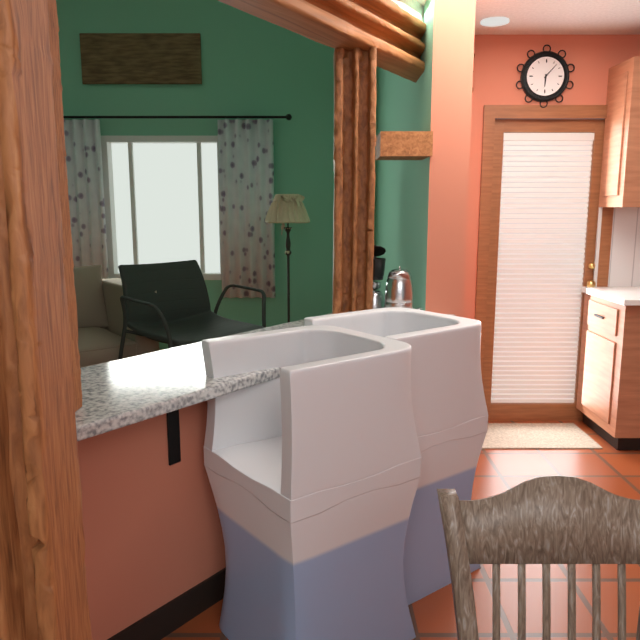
6:07
